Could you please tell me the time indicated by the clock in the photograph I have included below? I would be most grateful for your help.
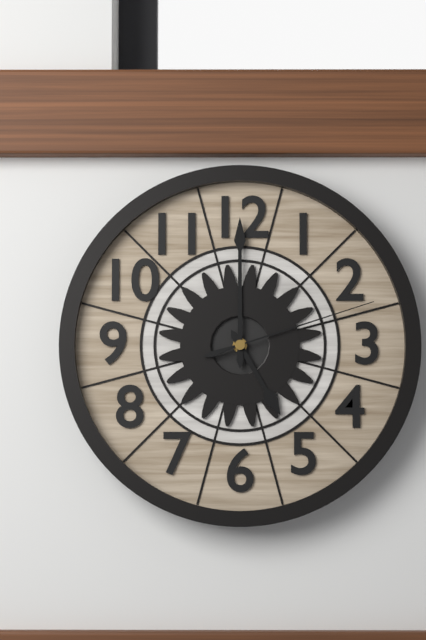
5:00:12
